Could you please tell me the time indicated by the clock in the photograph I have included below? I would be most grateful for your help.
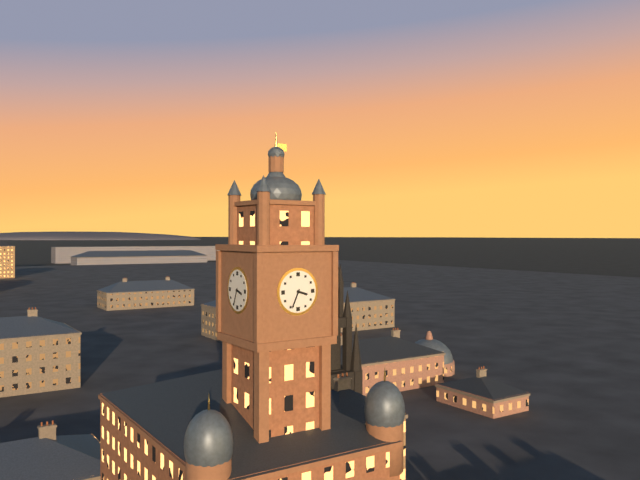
3:34
